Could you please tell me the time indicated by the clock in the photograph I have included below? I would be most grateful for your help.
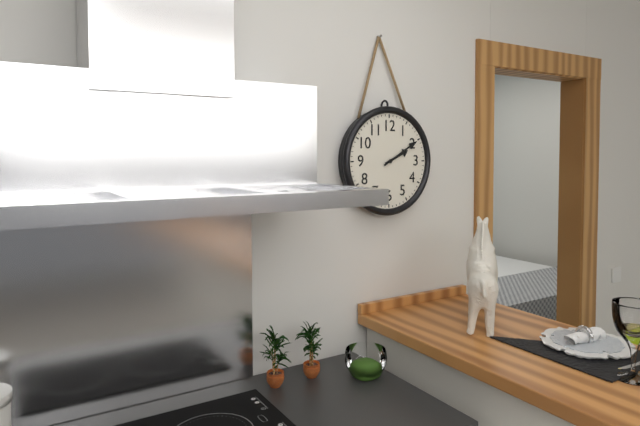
2:10
